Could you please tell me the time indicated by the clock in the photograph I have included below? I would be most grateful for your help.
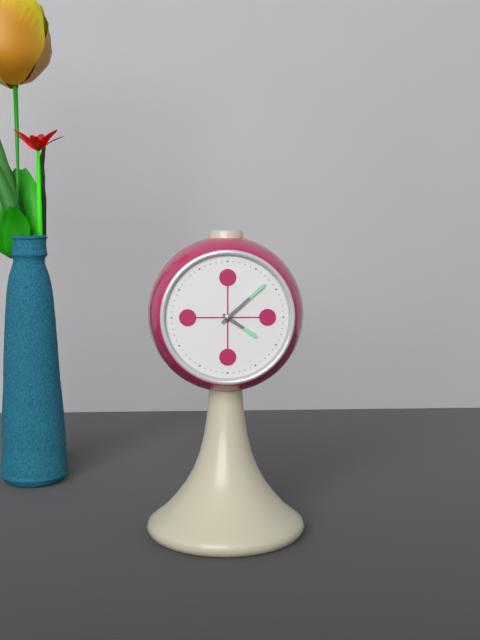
4:08
